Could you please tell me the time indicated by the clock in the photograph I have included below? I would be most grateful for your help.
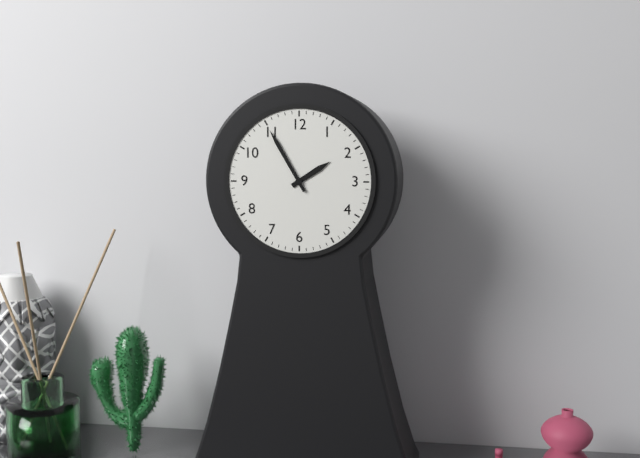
1:55
